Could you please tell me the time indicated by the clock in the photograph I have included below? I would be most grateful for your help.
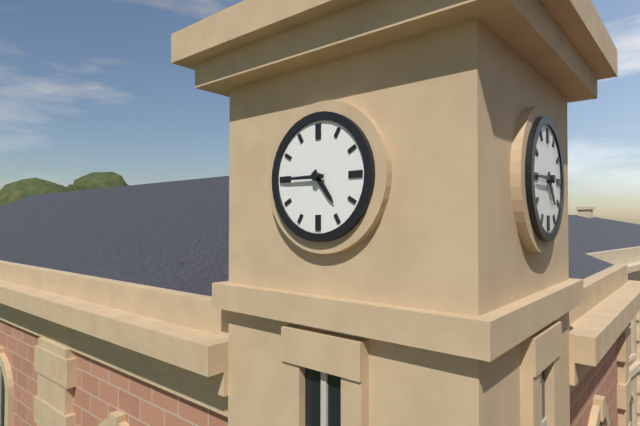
4:45
